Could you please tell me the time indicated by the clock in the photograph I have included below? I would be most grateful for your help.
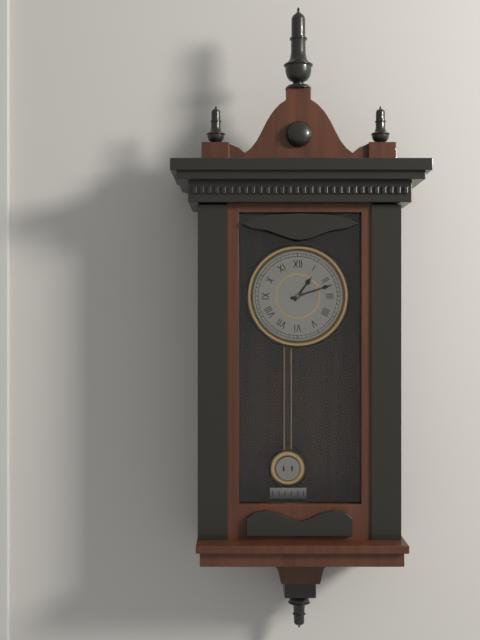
1:12
